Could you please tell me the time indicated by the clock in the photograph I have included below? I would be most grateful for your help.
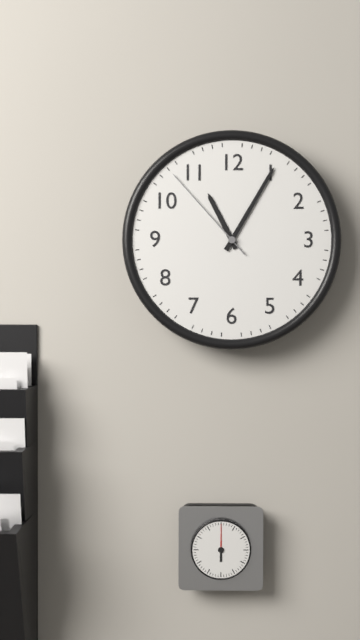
11:05:53
